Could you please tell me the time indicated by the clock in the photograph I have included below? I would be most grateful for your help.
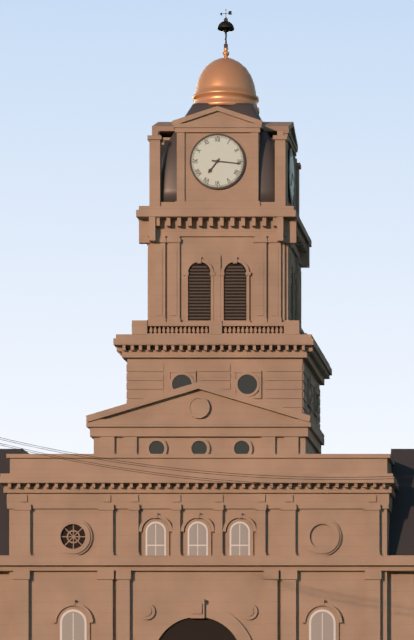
7:16
